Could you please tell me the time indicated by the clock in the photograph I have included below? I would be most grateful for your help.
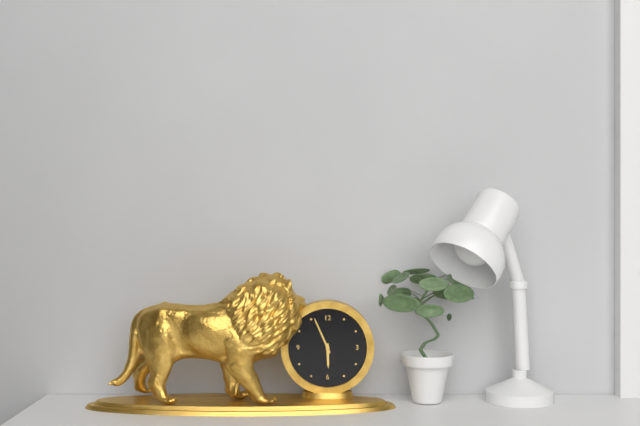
5:56
